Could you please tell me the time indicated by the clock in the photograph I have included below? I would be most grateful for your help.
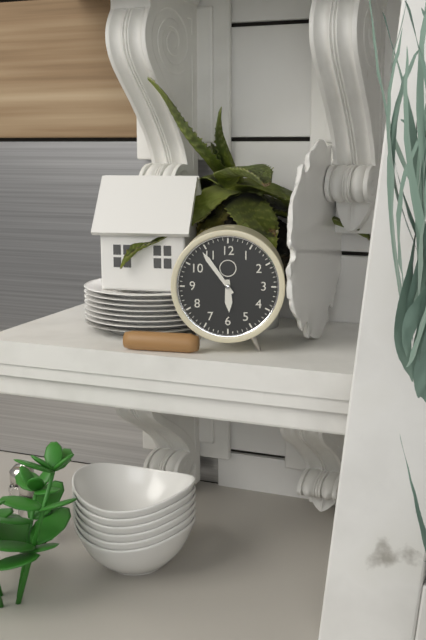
5:54
